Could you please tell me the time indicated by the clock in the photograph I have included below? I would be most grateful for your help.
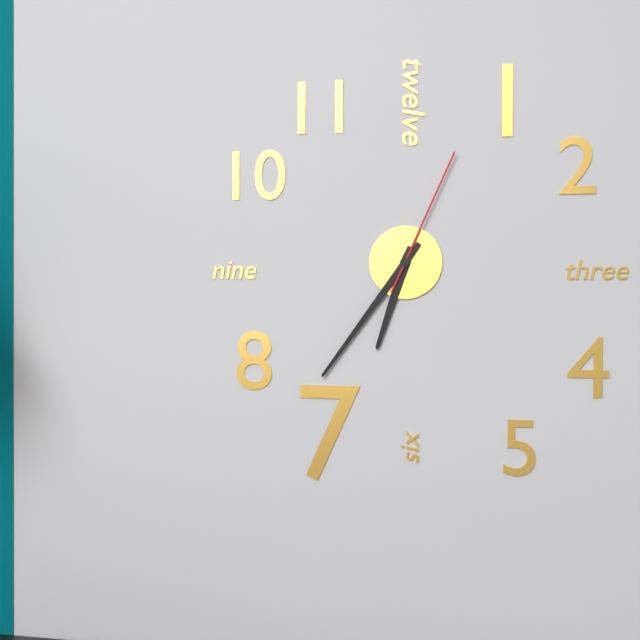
6:36:04
